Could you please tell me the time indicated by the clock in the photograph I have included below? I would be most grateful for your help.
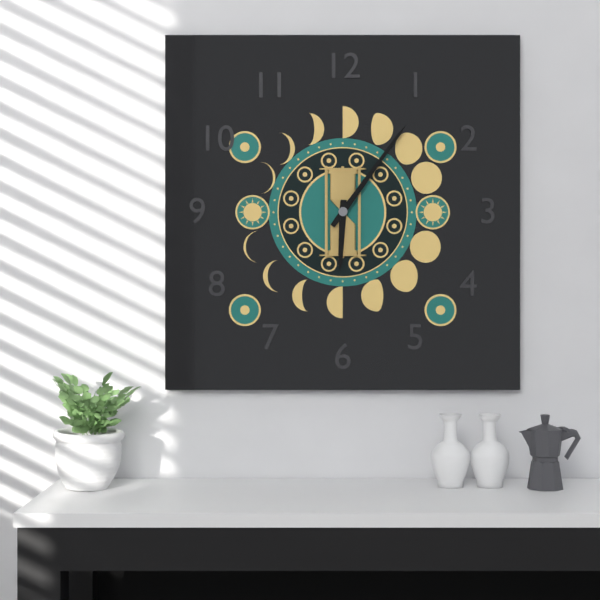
6:06
